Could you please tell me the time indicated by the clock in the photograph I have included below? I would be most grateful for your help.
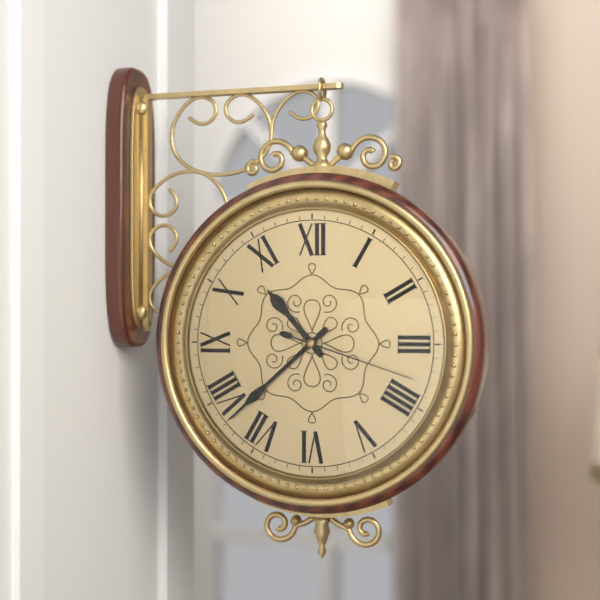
10:38:18
